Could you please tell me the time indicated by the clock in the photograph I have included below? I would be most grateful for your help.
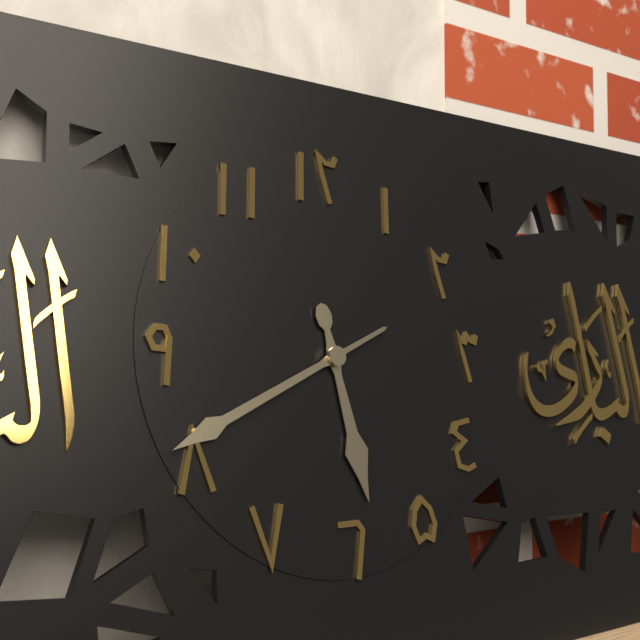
5:41
